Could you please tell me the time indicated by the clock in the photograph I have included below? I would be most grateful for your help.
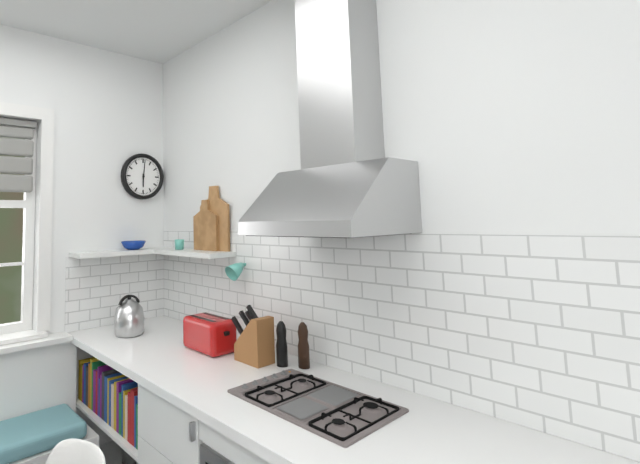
6:01
